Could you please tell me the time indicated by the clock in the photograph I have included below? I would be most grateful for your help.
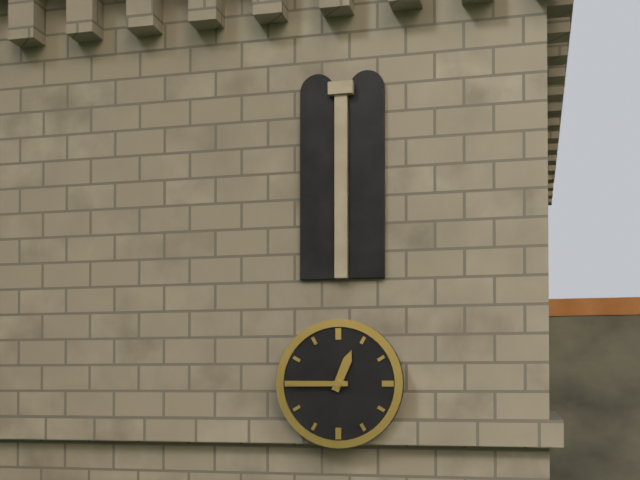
12:45
